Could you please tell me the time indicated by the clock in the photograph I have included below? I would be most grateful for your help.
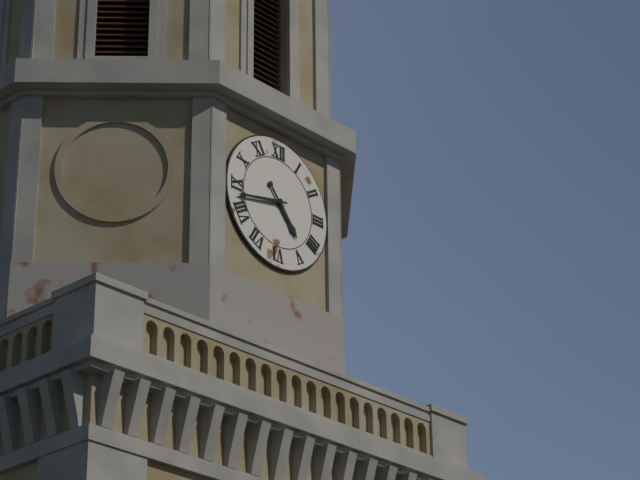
4:43
